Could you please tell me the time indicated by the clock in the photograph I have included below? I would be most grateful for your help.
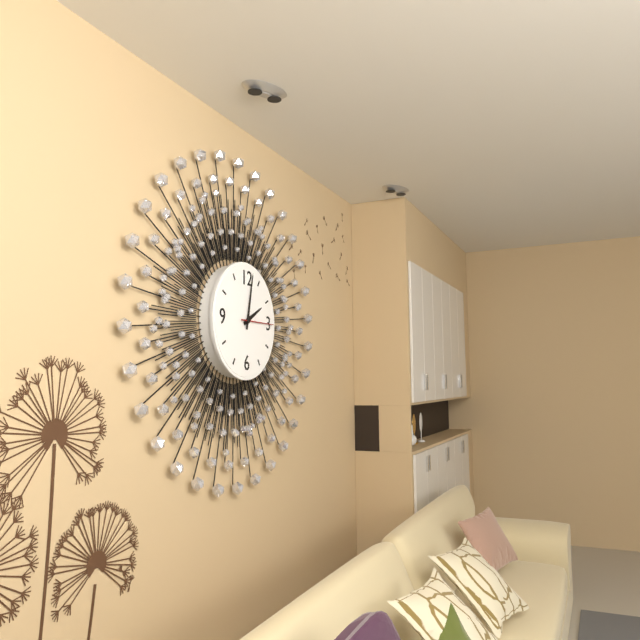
2:02
